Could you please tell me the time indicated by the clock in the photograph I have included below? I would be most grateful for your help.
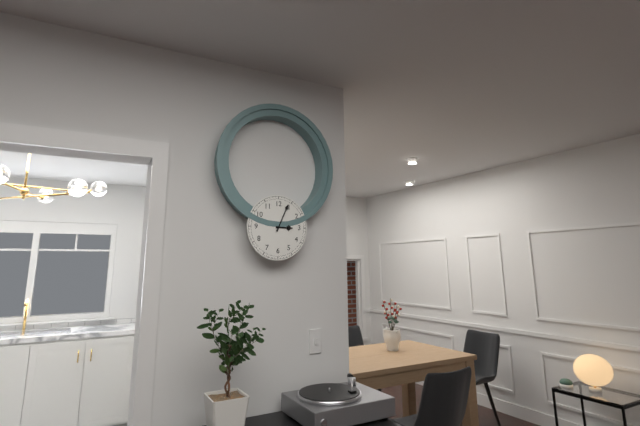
3:04
